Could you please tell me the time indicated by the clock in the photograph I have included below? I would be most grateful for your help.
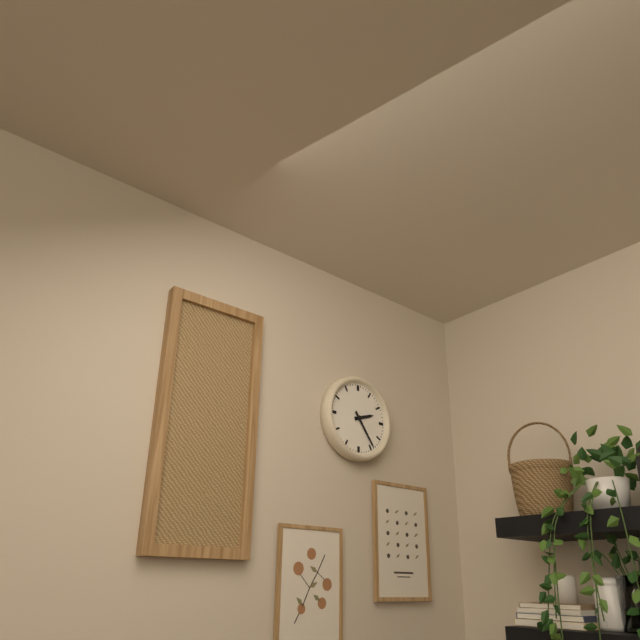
2:24
